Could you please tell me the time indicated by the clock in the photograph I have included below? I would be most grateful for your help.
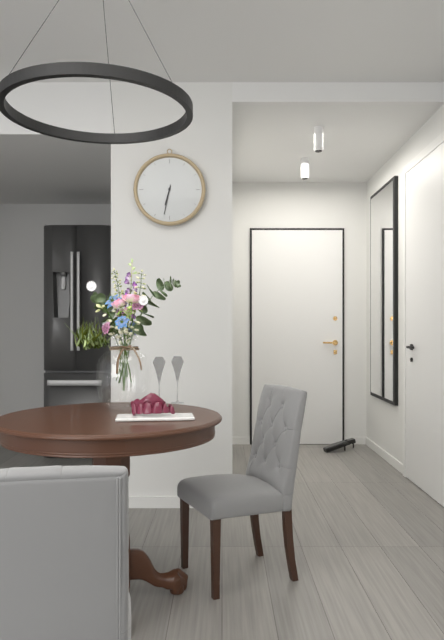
6:32
